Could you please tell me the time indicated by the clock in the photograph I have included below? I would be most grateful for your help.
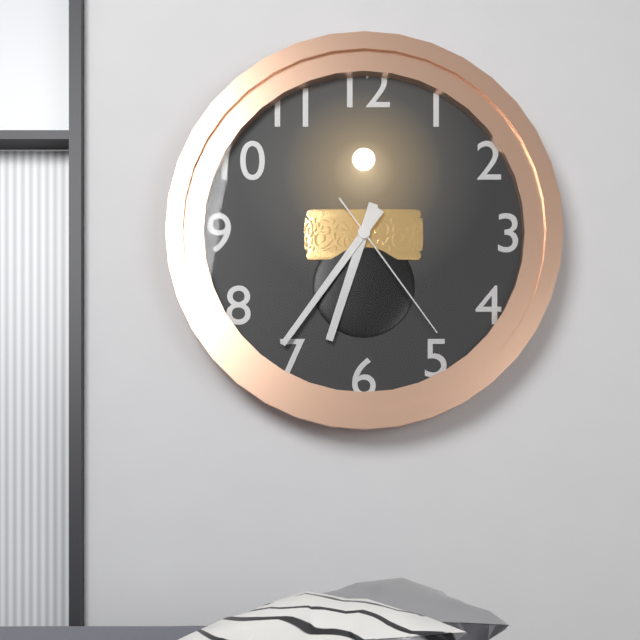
6:36:24
